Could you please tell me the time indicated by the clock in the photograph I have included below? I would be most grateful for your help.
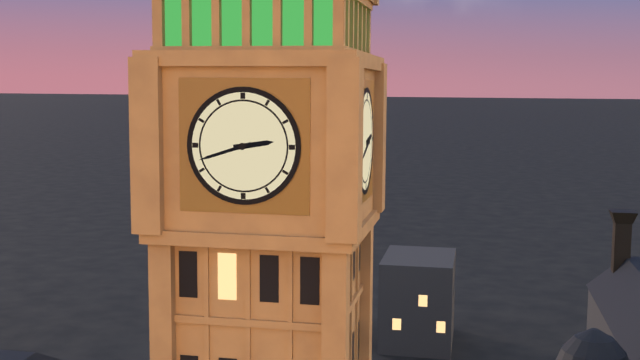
2:42
